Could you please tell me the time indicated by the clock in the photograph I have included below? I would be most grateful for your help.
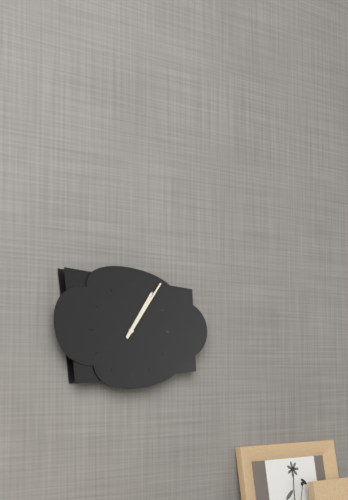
1:06
